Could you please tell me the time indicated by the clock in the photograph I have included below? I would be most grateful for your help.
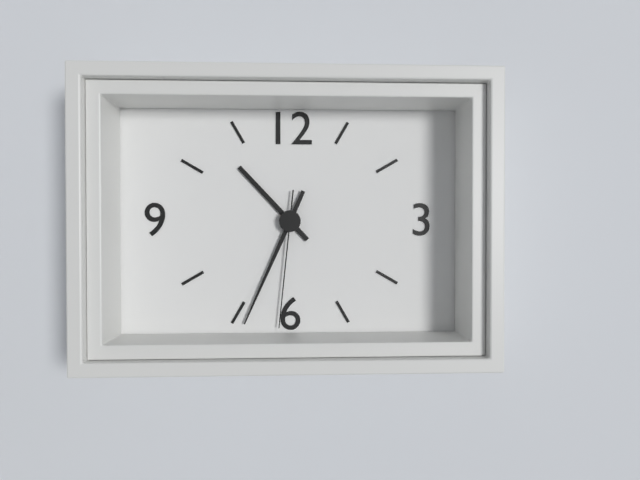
10:34:31
